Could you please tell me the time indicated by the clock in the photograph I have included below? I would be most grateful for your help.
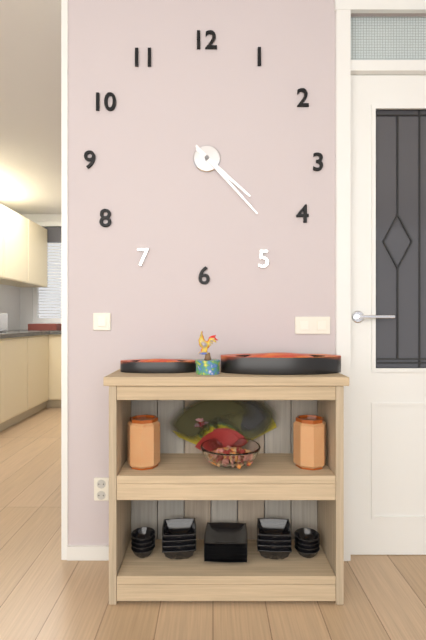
4:23
